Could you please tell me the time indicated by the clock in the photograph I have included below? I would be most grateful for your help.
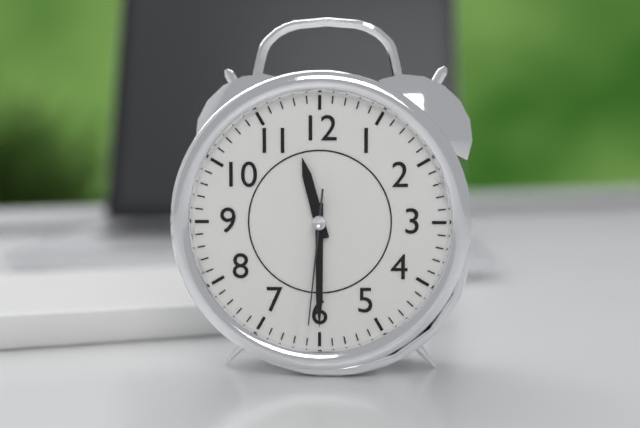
11:30:31
